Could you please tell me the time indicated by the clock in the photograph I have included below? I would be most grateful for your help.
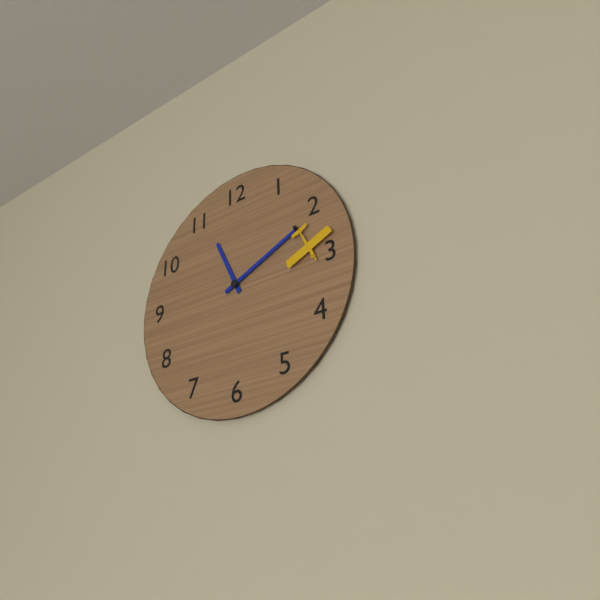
11:11
